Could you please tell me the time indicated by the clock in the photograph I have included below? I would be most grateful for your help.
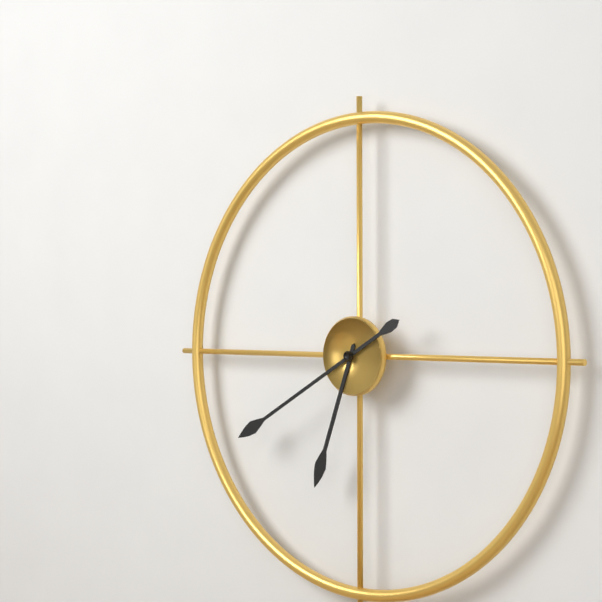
6:40
